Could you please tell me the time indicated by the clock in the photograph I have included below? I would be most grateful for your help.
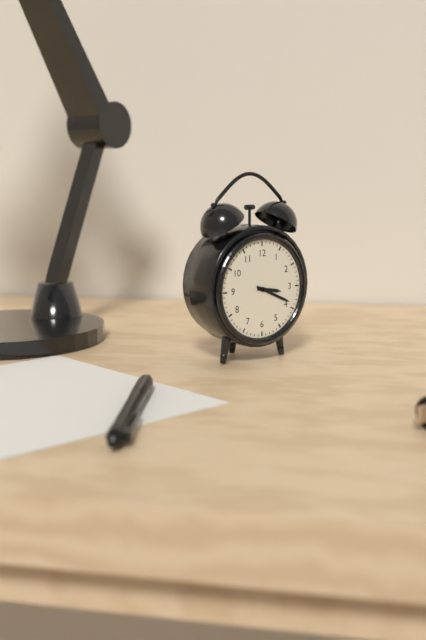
3:19
